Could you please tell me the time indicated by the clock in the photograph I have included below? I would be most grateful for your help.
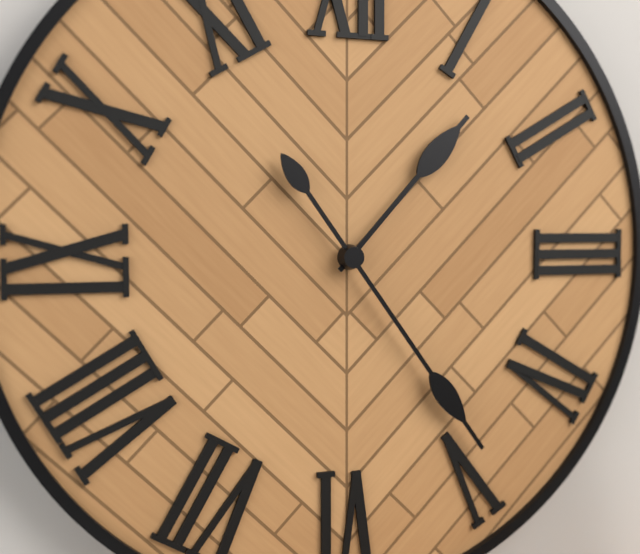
1:24
